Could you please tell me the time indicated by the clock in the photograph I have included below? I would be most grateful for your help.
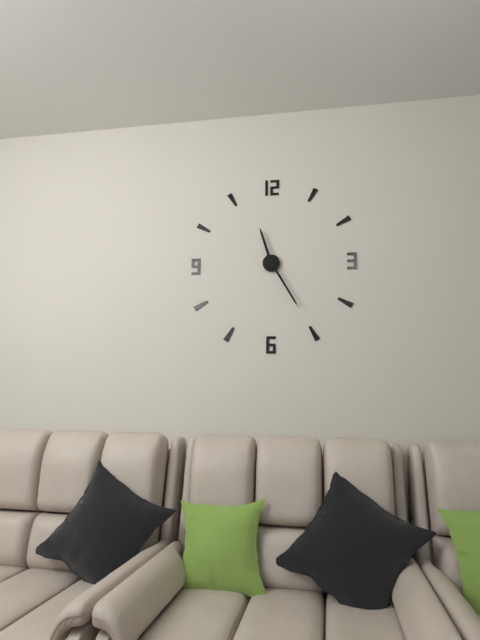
11:25
